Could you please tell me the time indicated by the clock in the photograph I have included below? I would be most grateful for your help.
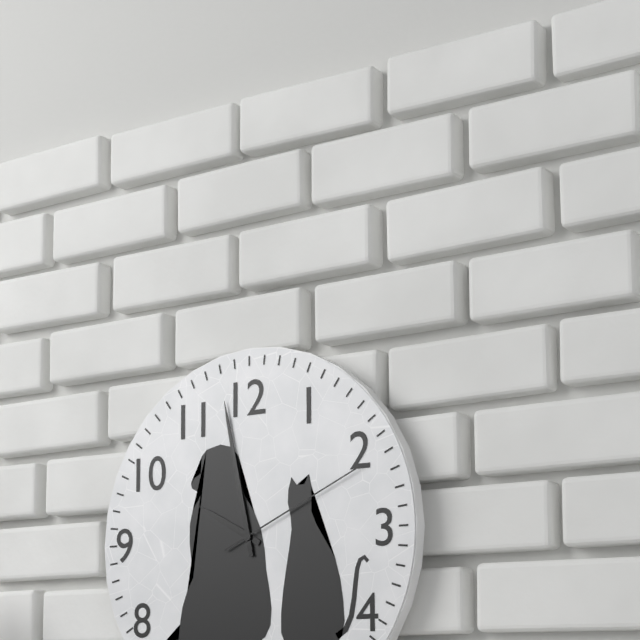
9:58:11
